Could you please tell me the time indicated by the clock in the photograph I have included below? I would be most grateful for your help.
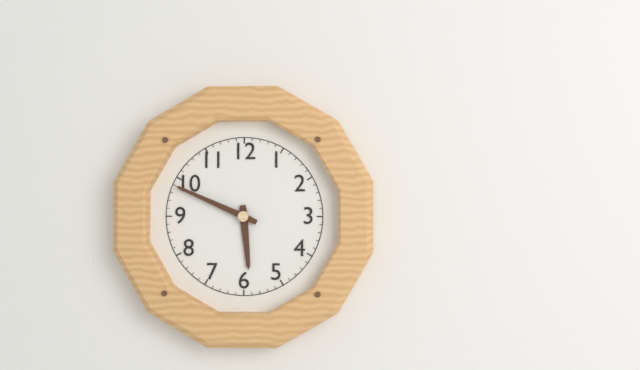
5:49
